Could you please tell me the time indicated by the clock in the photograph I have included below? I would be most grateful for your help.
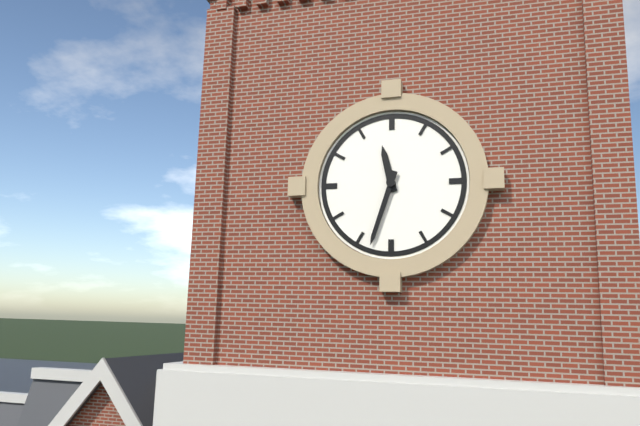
11:33
